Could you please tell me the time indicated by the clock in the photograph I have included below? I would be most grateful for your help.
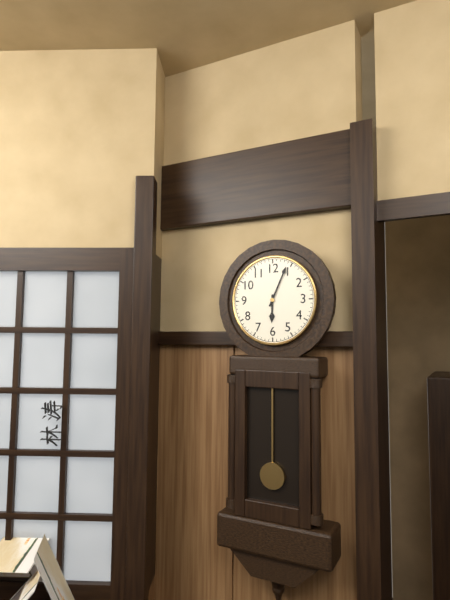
6:04
